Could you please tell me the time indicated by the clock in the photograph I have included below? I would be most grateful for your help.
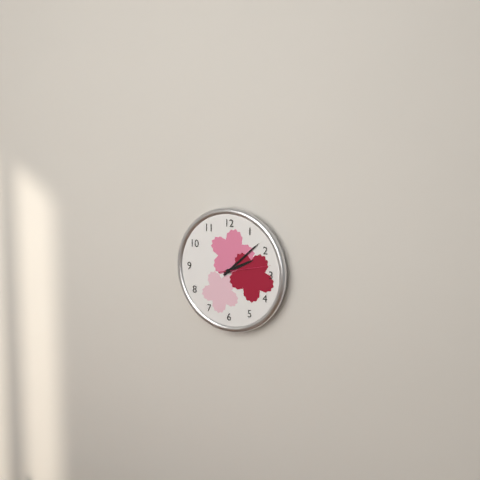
2:08:13
